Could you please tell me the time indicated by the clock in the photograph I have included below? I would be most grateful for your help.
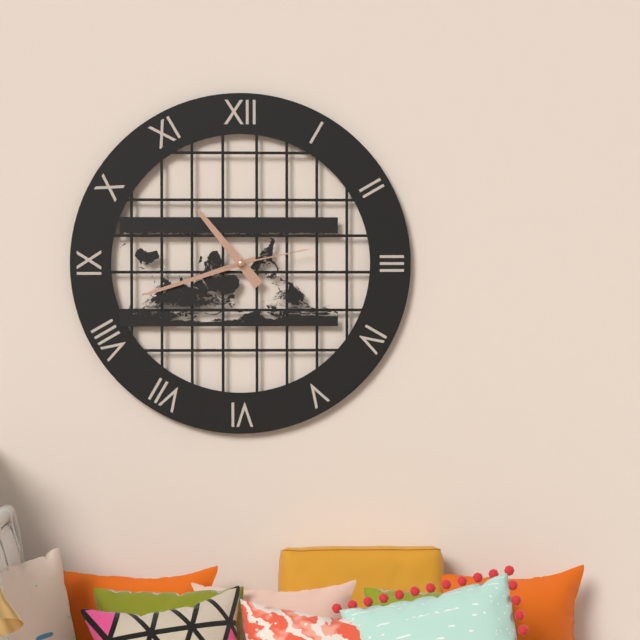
10:42:13
